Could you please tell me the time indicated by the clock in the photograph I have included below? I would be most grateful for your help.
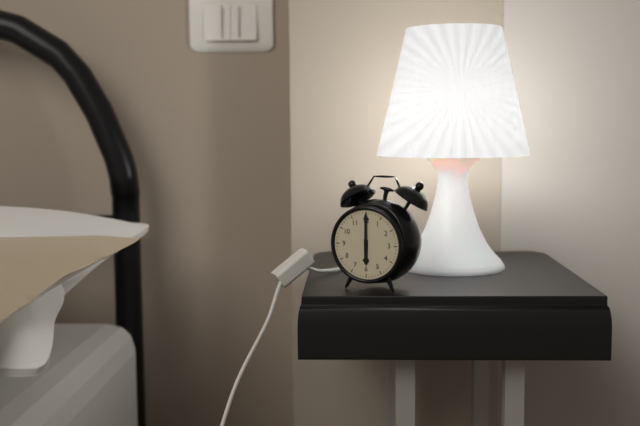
6:00
